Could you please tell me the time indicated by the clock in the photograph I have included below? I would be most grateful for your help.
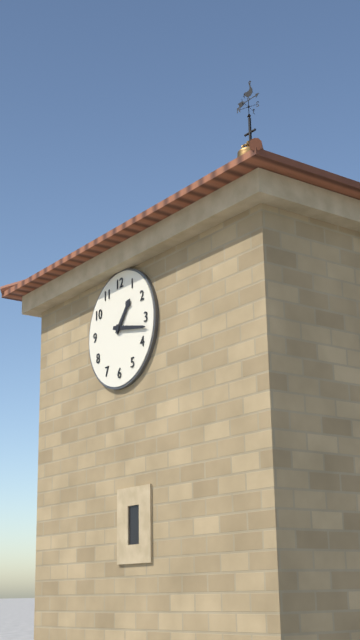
1:17
